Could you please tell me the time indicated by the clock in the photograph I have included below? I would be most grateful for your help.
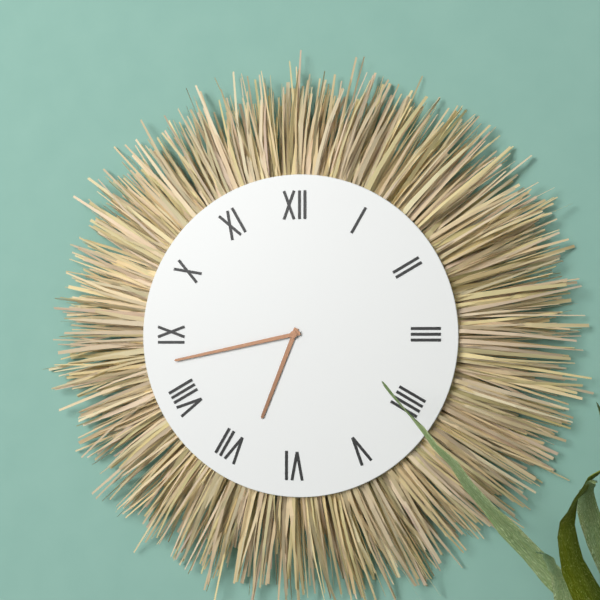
6:43
